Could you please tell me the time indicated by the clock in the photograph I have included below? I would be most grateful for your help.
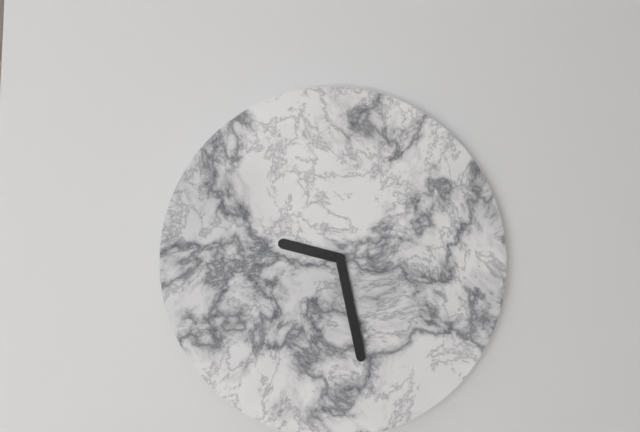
9:28
